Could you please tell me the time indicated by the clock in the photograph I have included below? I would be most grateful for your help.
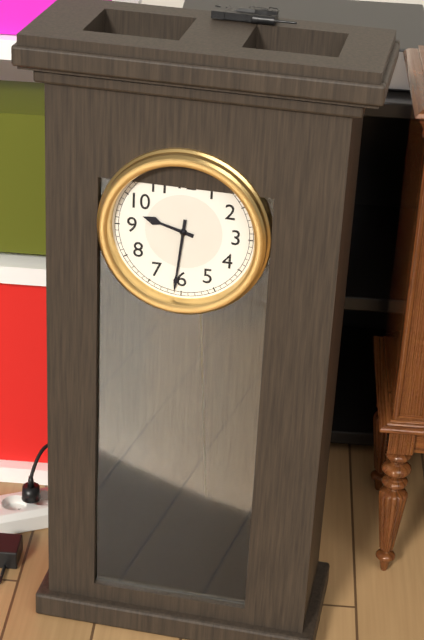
9:31
